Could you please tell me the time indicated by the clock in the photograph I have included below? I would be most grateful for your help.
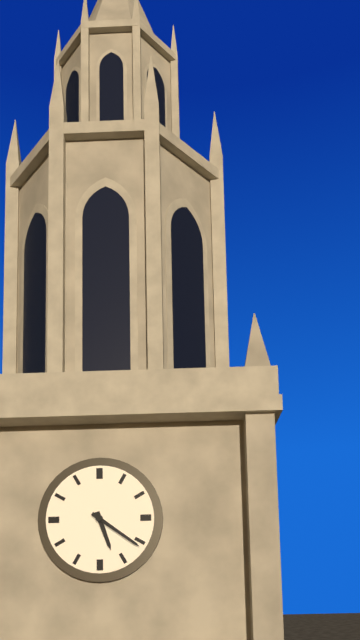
5:21
